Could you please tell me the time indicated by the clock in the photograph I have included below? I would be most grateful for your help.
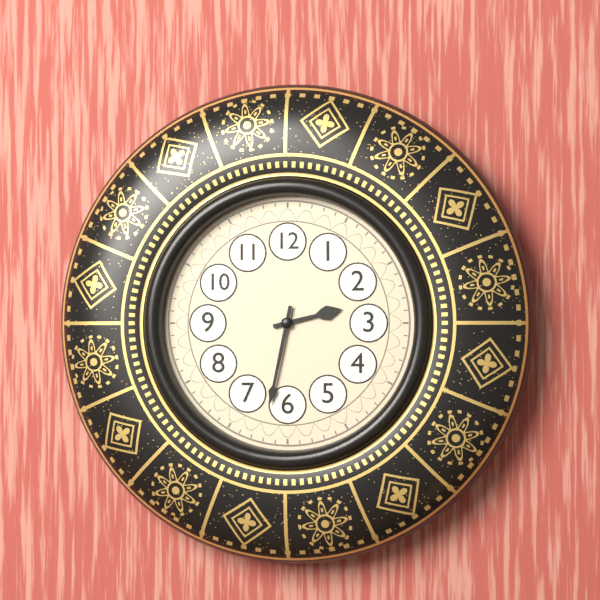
2:32
